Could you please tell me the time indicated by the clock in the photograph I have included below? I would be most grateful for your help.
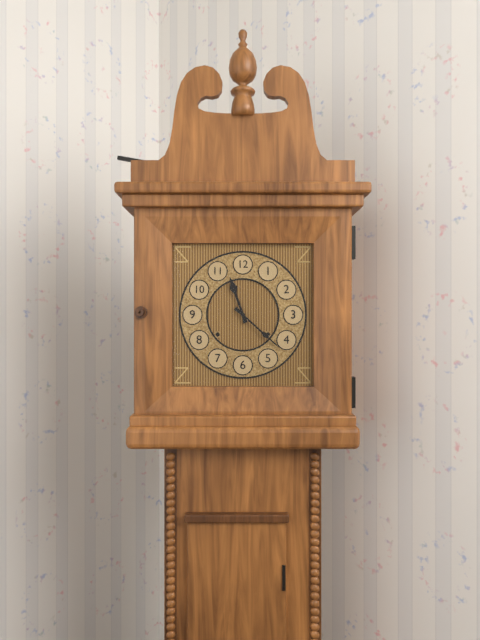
11:22
